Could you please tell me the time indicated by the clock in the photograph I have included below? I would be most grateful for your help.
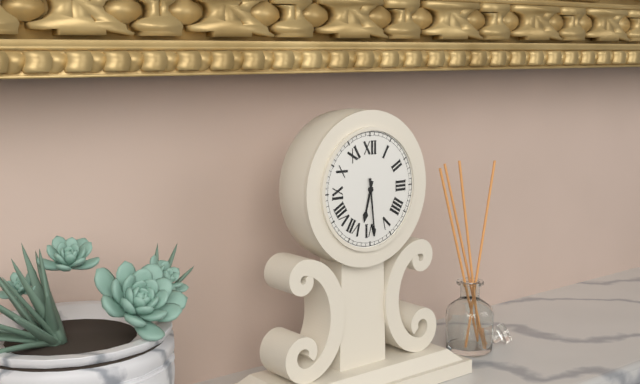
6:29
